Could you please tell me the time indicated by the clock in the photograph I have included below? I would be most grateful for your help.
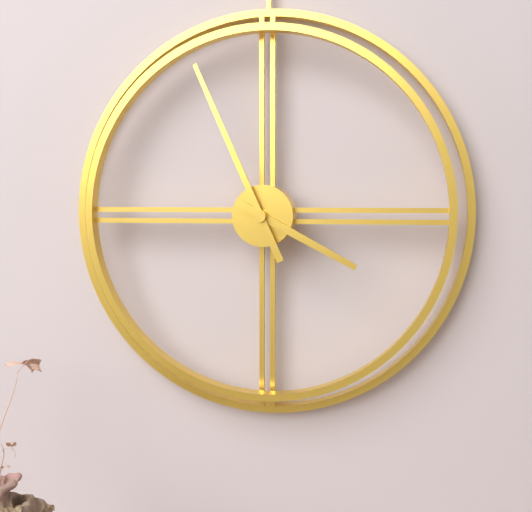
3:56
